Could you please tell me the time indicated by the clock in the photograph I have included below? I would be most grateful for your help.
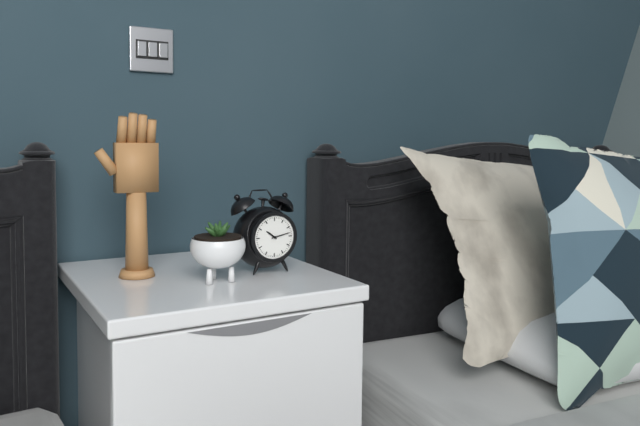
10:13
